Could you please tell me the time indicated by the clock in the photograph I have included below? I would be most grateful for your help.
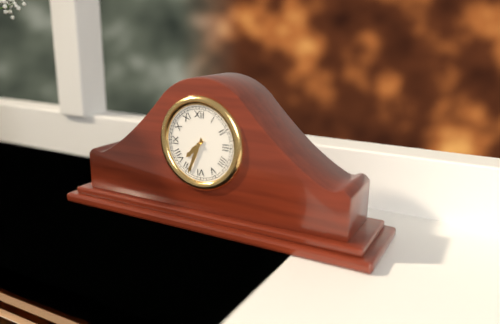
7:34
